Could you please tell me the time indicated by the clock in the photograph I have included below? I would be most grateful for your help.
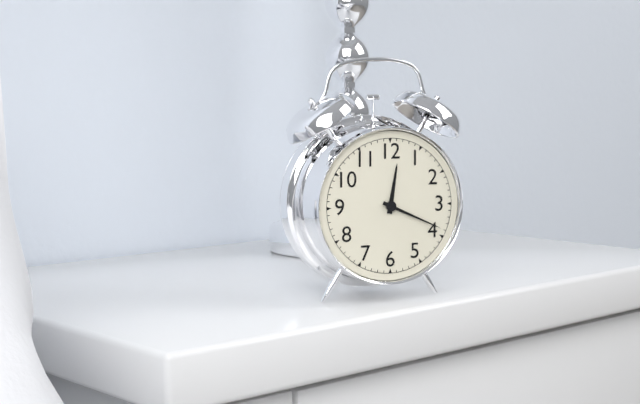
12:19
